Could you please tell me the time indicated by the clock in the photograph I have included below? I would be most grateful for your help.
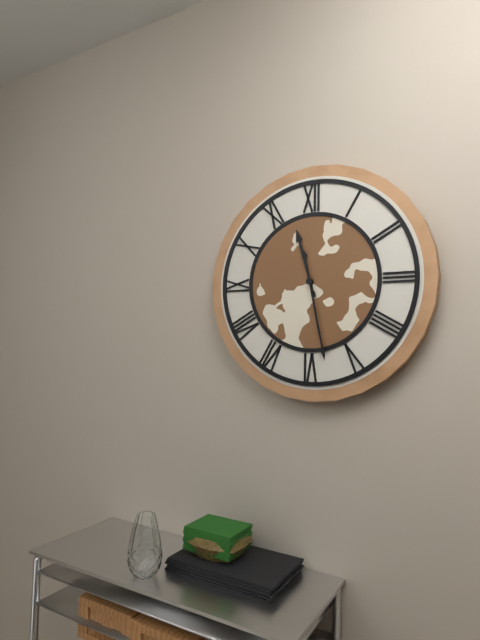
11:28
